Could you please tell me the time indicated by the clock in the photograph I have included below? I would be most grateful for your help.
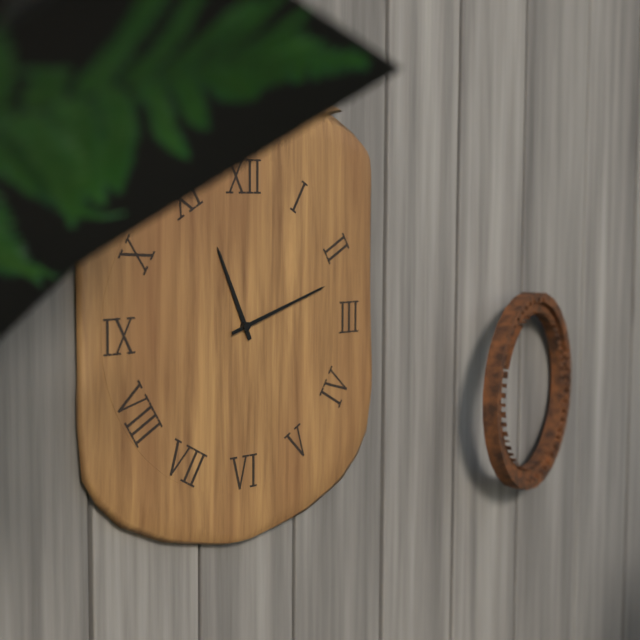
11:12
